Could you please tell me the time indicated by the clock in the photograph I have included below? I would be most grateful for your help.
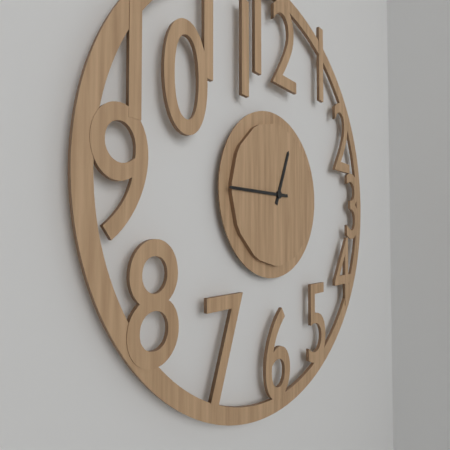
12:45
